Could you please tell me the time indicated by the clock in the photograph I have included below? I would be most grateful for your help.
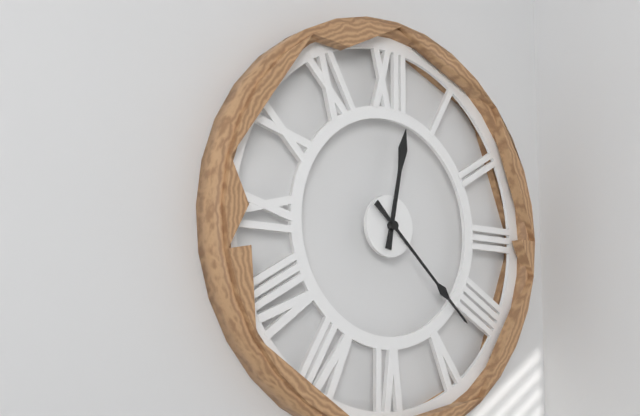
12:22
